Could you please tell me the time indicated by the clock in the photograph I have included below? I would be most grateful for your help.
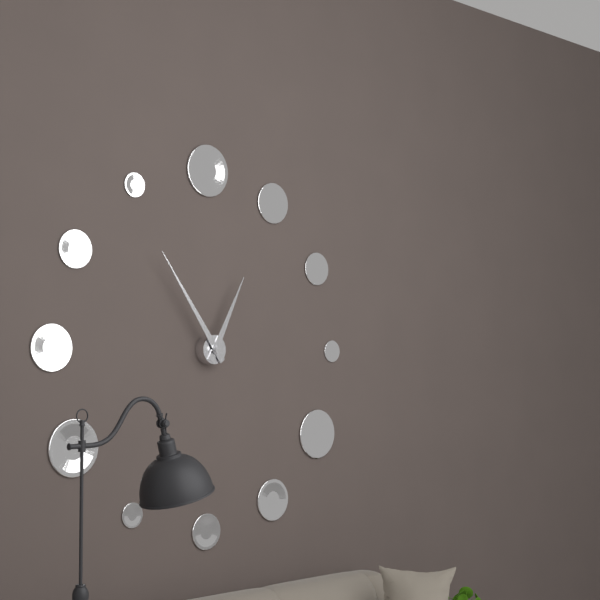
12:54
